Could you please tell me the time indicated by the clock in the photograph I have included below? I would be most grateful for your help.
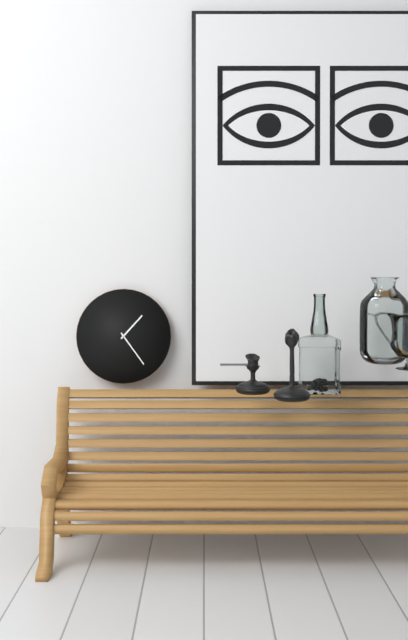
1:24
